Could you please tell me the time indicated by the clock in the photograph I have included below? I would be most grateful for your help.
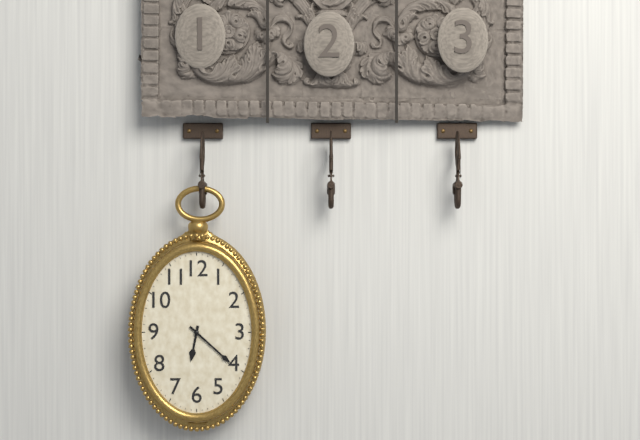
6:22
